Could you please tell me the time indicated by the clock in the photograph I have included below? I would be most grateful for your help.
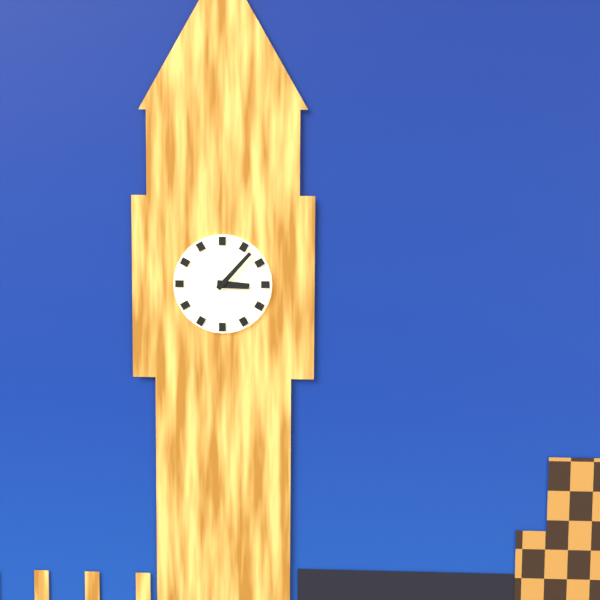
3:07
